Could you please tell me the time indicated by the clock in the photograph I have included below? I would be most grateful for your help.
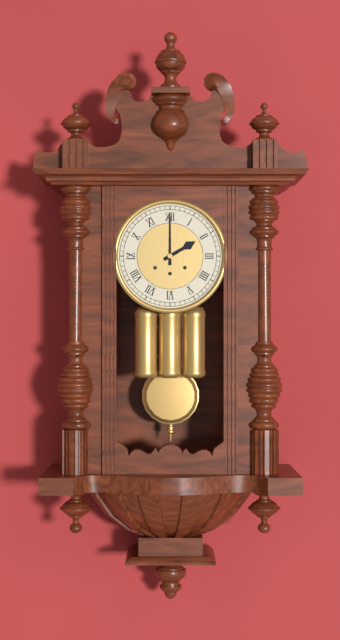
2:00
